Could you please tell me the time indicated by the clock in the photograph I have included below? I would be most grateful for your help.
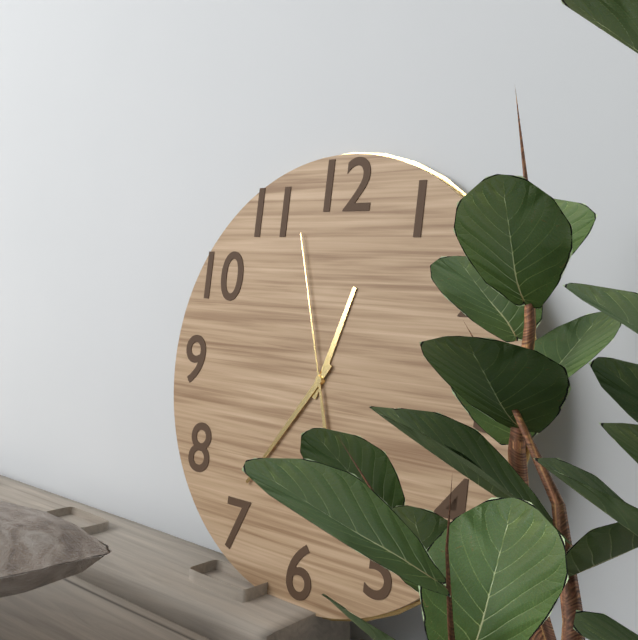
12:36:57
